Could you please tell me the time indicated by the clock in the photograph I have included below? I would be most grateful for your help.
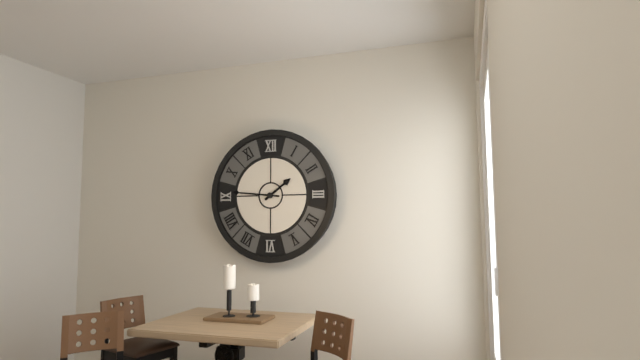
1:46
